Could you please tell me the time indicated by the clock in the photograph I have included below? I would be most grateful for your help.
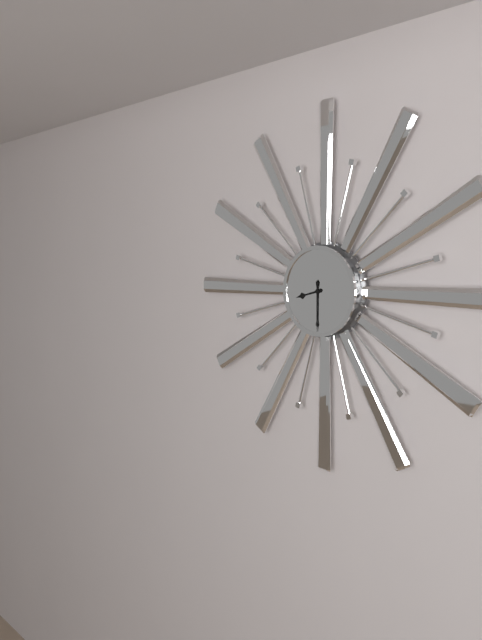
8:30
